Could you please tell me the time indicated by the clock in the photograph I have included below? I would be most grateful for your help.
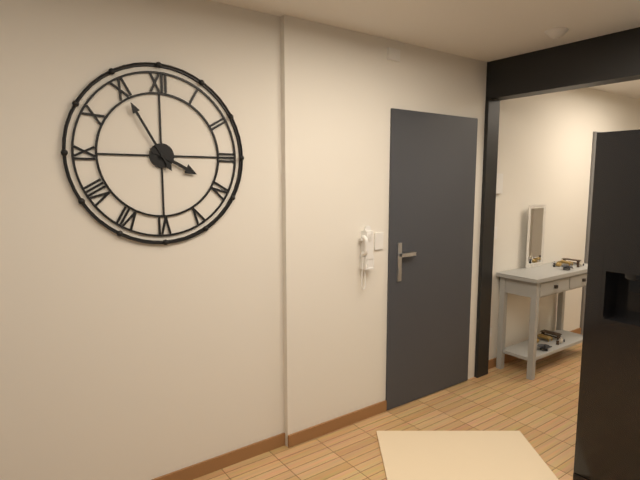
3:55
